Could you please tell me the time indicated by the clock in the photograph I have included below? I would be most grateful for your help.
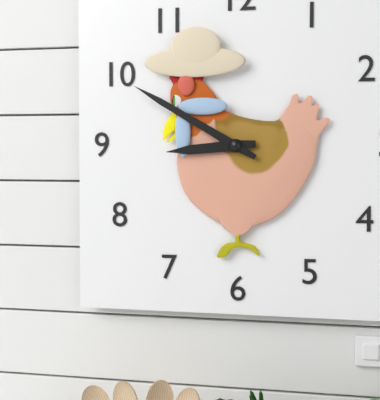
8:50
